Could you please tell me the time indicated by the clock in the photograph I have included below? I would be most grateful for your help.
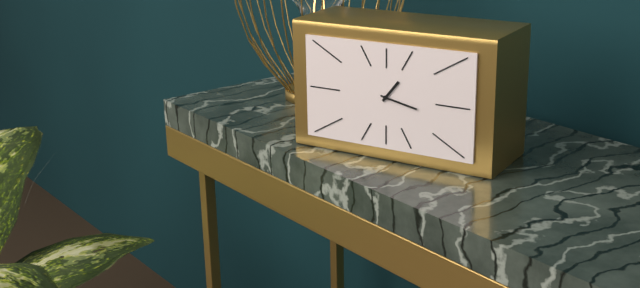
1:17
